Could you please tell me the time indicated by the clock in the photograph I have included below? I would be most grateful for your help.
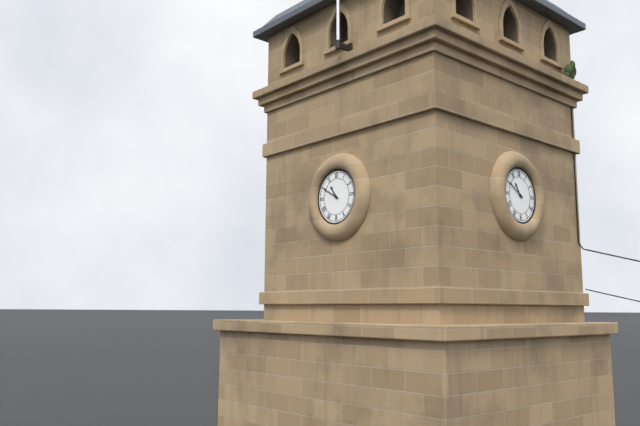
10:50
